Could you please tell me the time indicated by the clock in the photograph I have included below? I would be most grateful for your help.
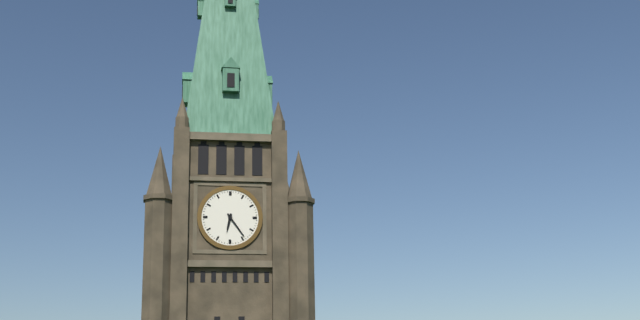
6:24
